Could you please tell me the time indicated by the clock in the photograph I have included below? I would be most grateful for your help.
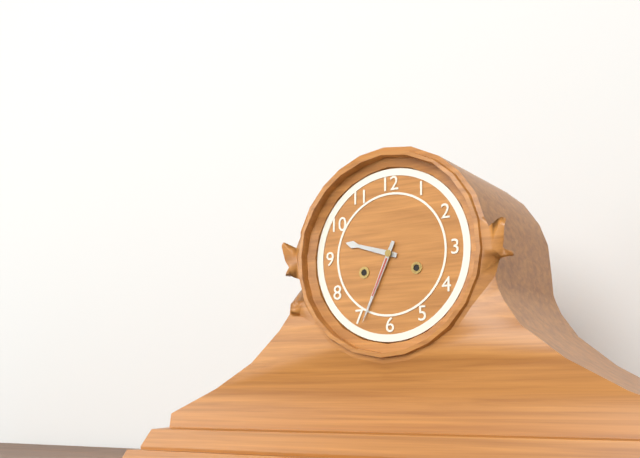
9:34
